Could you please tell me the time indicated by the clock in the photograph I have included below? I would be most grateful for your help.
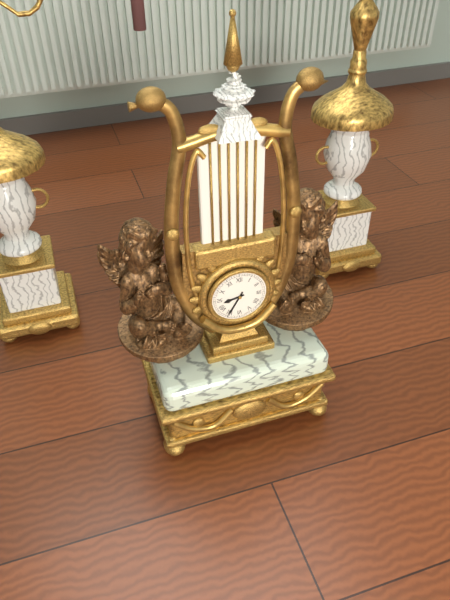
8:35
